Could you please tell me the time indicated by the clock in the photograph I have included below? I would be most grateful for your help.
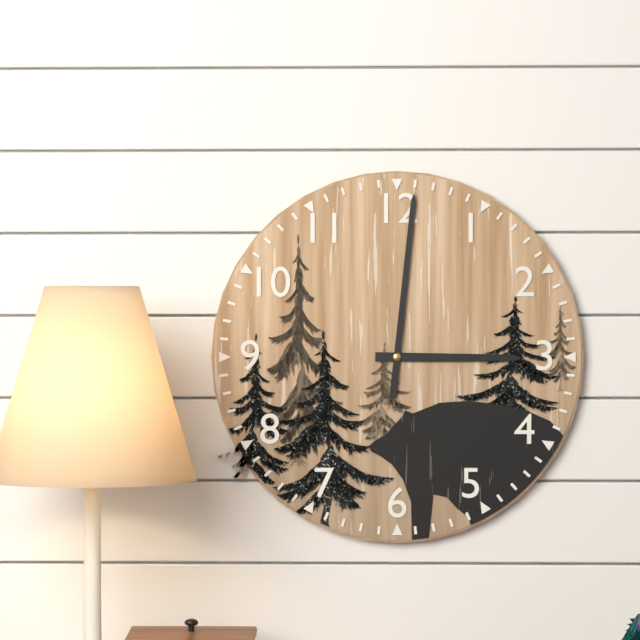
3:01
